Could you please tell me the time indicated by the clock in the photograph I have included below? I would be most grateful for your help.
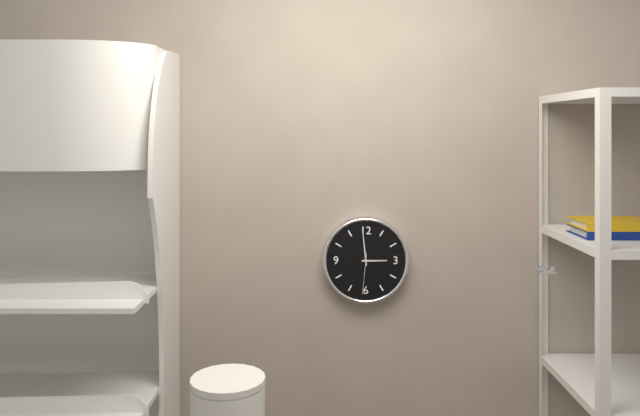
2:59
